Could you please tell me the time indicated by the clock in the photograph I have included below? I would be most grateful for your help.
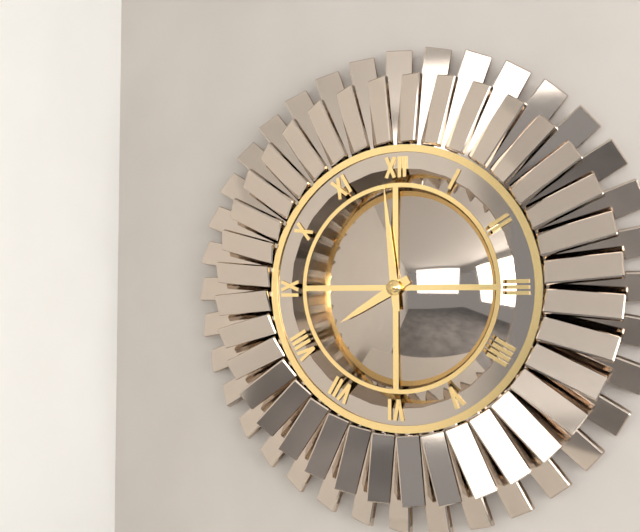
7:59
